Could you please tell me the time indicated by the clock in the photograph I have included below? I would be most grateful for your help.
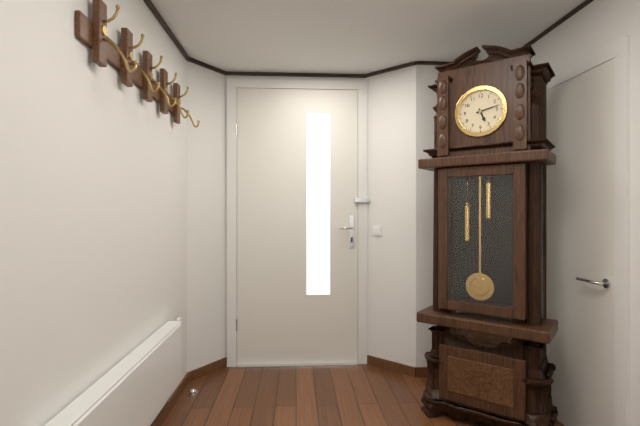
5:13
